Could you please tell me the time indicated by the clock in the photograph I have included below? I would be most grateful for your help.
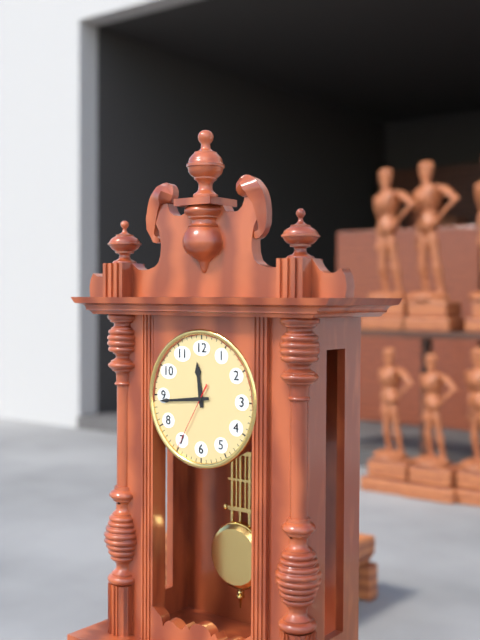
11:44:35
